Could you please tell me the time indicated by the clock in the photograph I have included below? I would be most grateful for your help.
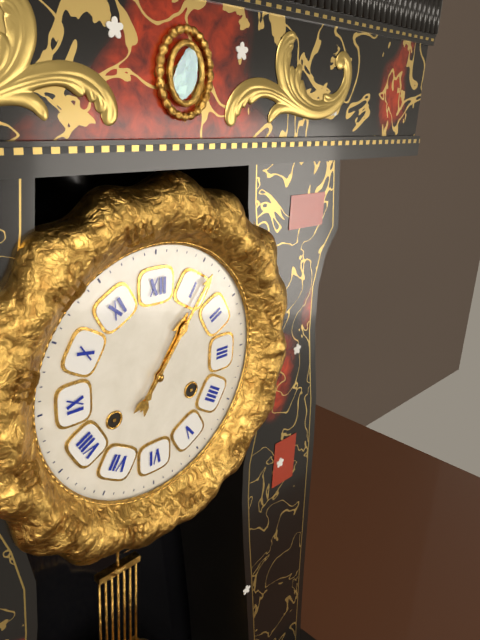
1:06
